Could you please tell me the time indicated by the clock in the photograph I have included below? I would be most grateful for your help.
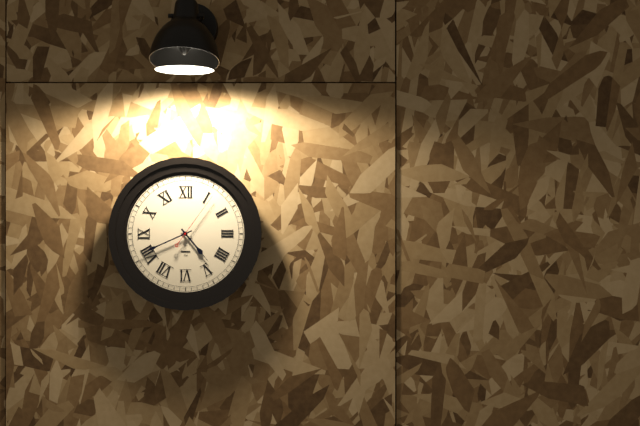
4:41:06
